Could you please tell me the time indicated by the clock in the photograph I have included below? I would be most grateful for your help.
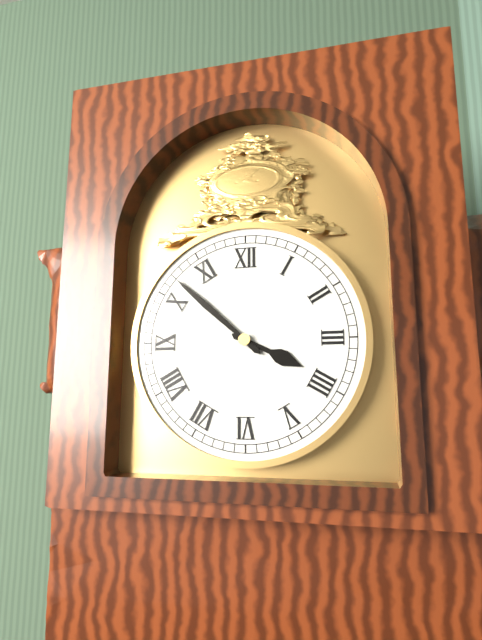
3:52
